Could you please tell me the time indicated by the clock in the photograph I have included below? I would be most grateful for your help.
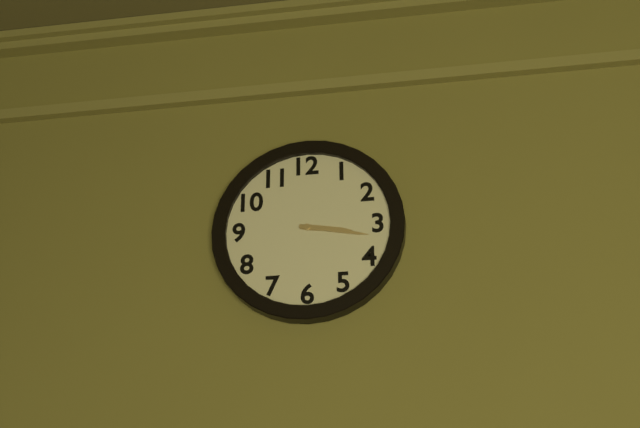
3:17
